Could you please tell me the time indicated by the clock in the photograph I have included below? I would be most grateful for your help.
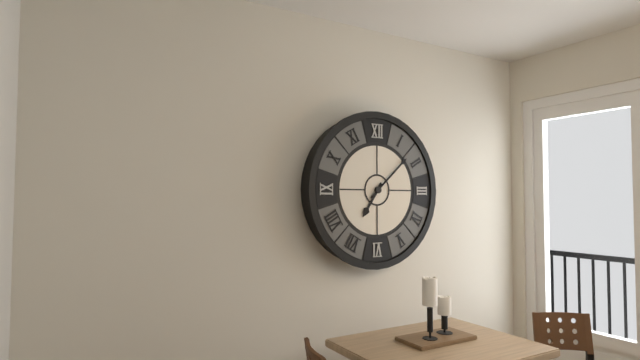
7:08
